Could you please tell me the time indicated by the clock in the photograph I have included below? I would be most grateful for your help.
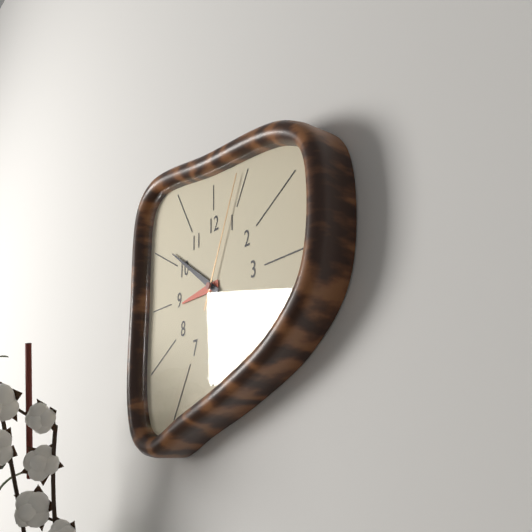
8:51:04
